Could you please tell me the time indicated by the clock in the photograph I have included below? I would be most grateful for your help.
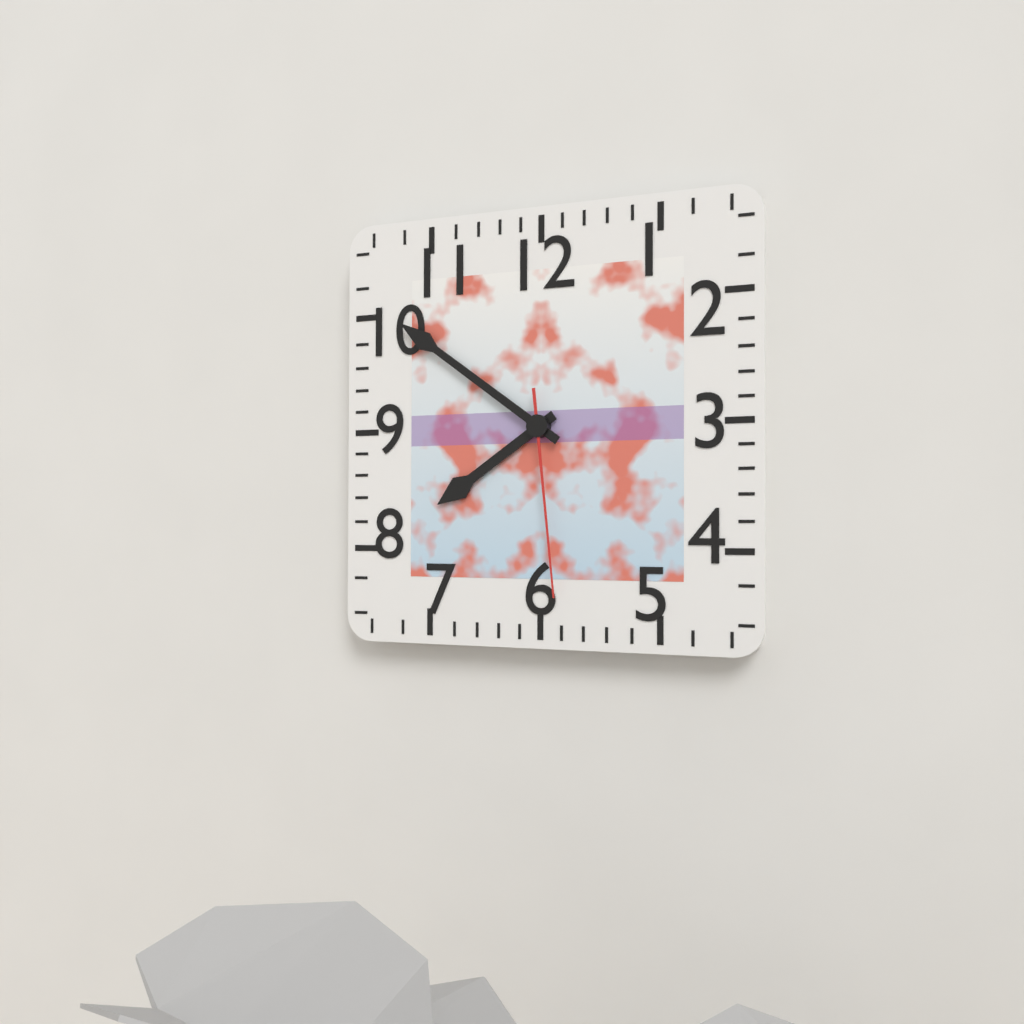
7:51:29
